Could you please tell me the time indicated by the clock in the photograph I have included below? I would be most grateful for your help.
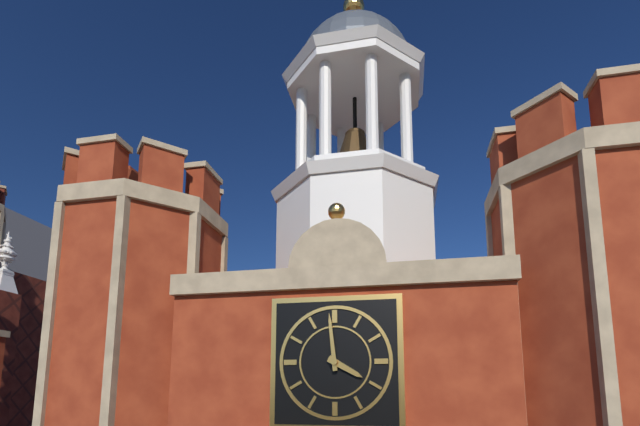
3:59
